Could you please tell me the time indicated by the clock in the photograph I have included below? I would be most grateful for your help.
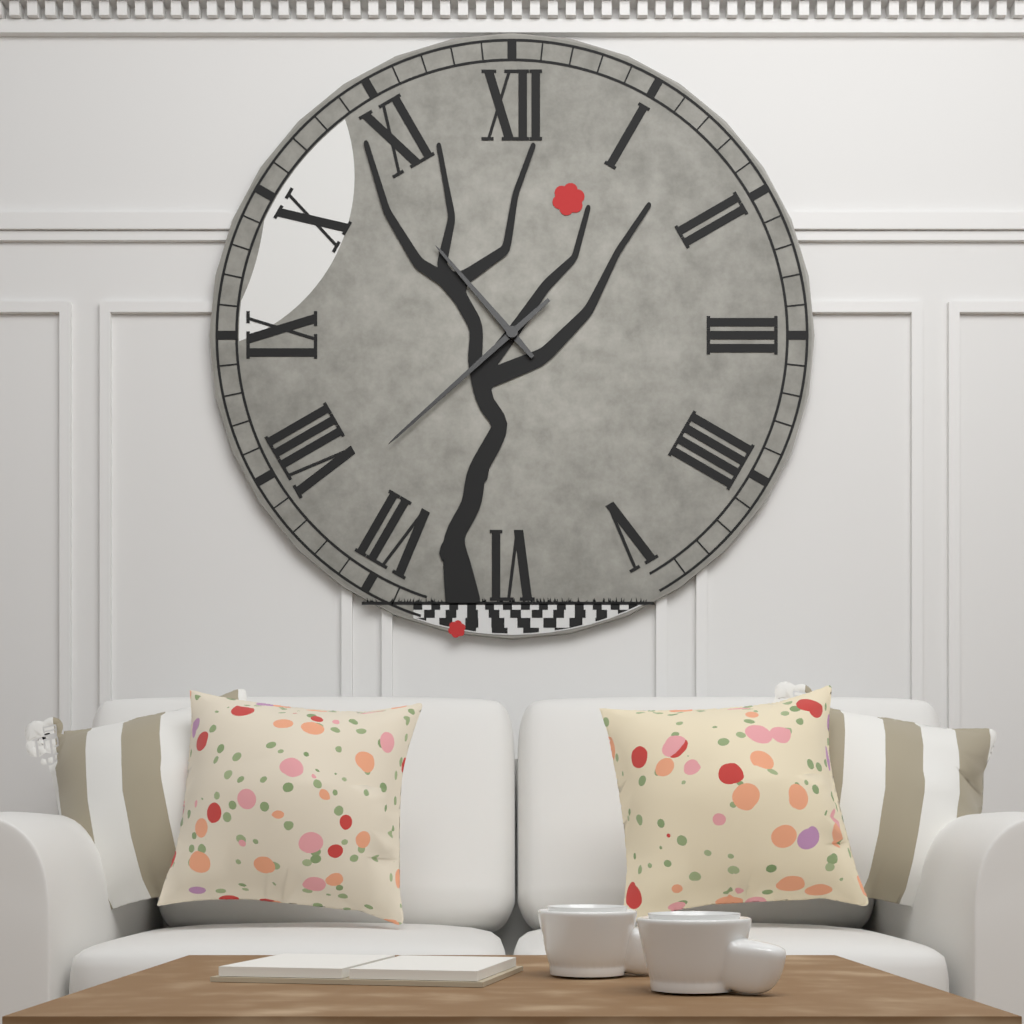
10:38
